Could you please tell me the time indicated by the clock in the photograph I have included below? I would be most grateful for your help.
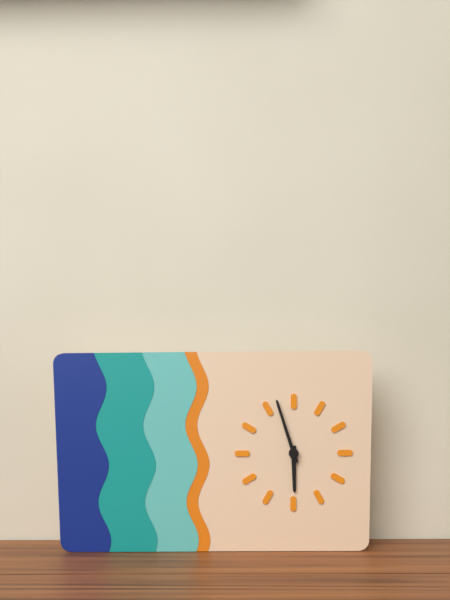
5:57
